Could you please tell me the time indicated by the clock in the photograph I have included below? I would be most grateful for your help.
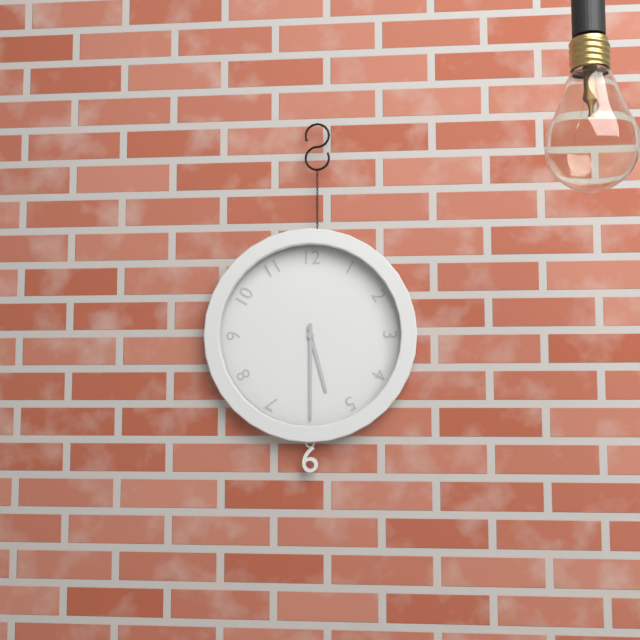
5:30
